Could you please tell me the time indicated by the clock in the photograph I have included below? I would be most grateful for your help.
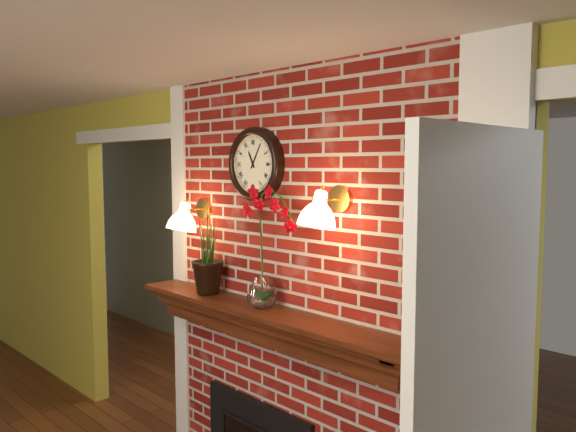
11:05
